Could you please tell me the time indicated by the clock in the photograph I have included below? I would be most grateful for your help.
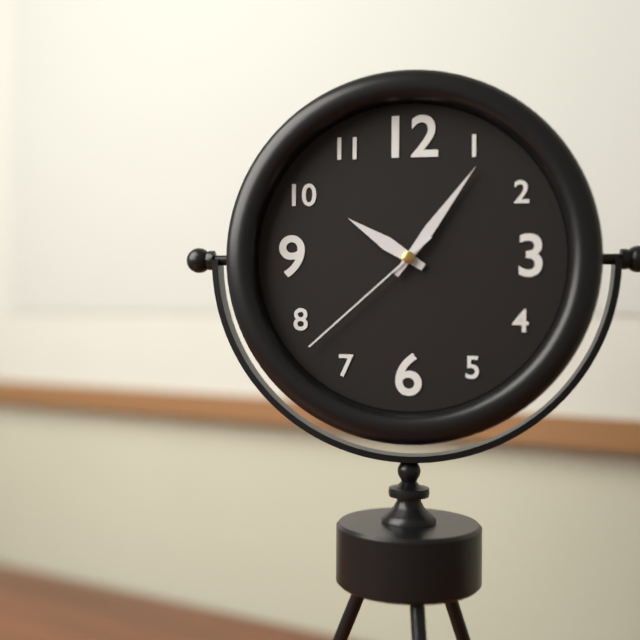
10:06:38
